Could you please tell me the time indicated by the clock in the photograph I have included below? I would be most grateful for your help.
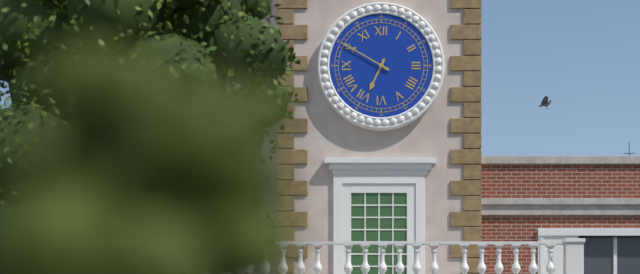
6:50
